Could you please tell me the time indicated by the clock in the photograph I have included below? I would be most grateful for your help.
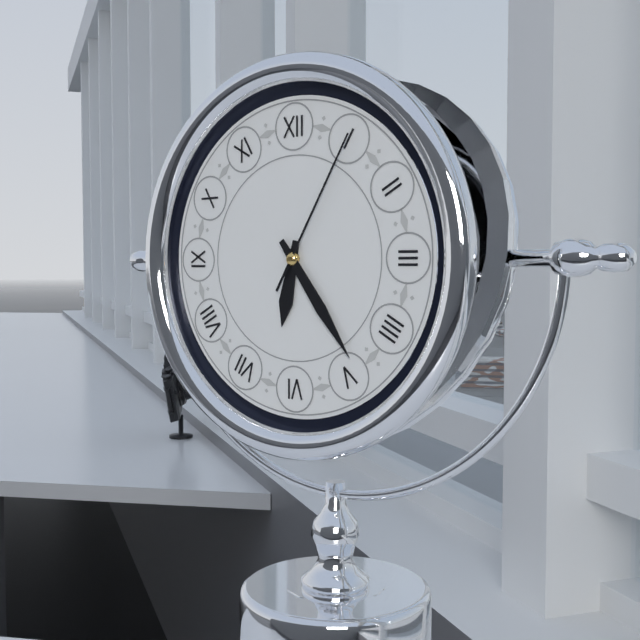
6:24:05
